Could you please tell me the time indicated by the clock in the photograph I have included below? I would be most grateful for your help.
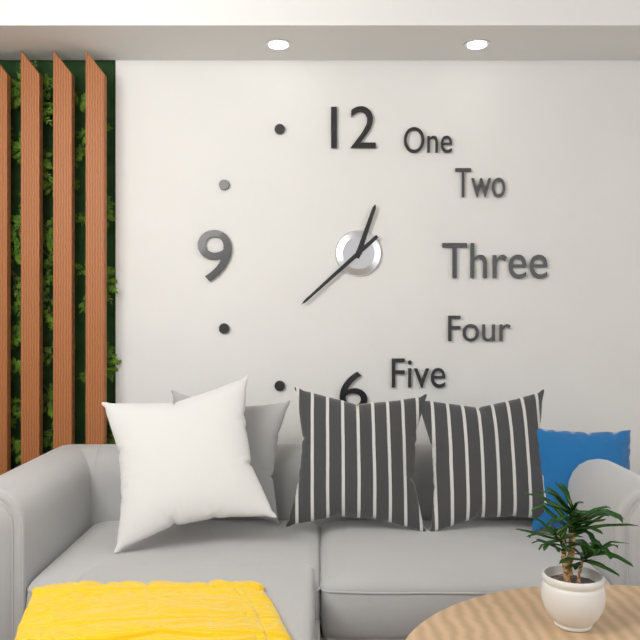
12:38
